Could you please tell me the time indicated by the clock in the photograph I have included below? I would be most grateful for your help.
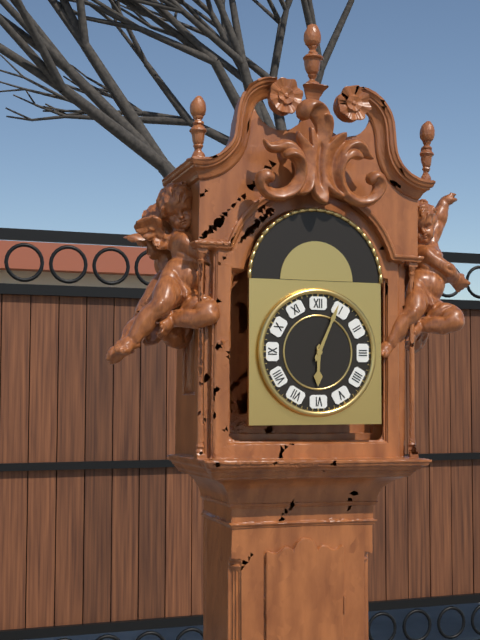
6:04
